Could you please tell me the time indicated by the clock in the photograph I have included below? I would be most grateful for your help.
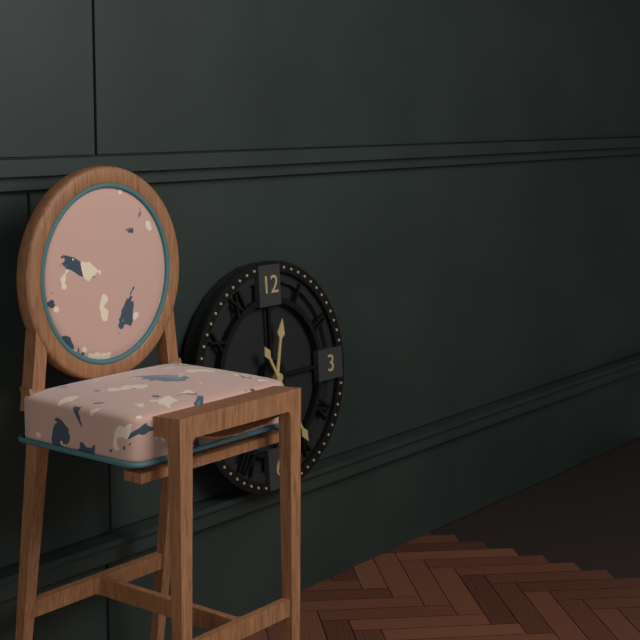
12:25
